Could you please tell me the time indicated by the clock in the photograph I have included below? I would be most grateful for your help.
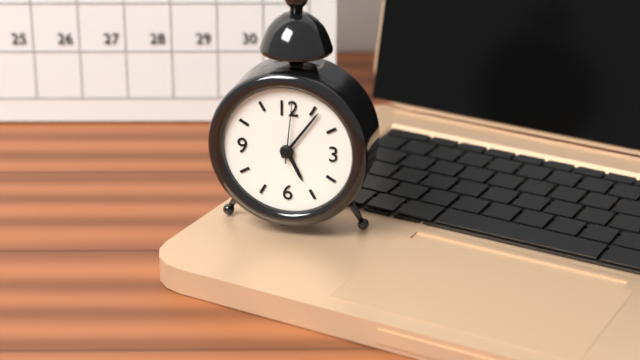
5:06
